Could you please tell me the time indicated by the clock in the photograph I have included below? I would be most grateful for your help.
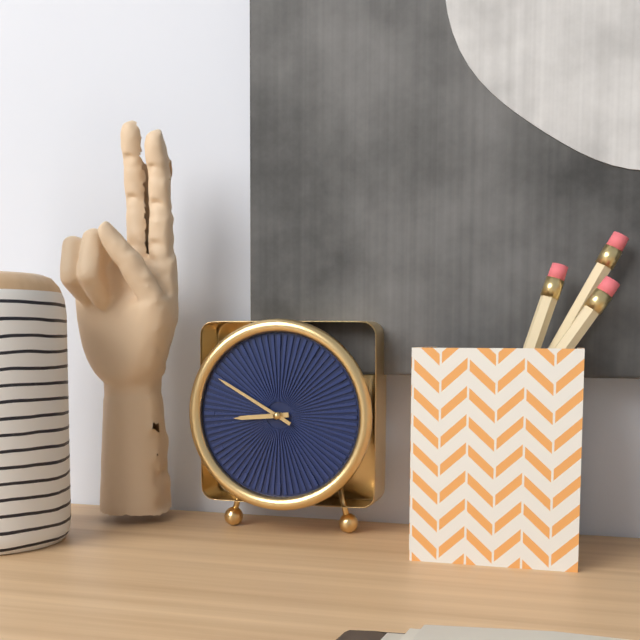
8:50
